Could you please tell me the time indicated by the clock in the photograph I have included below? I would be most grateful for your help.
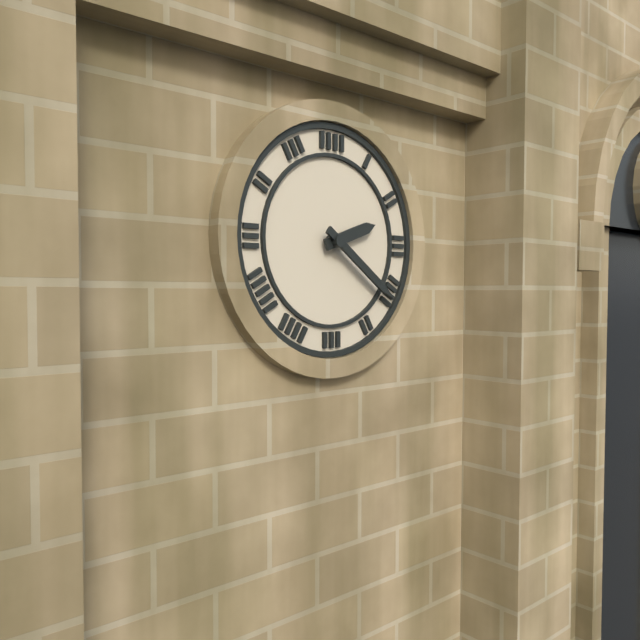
2:21
